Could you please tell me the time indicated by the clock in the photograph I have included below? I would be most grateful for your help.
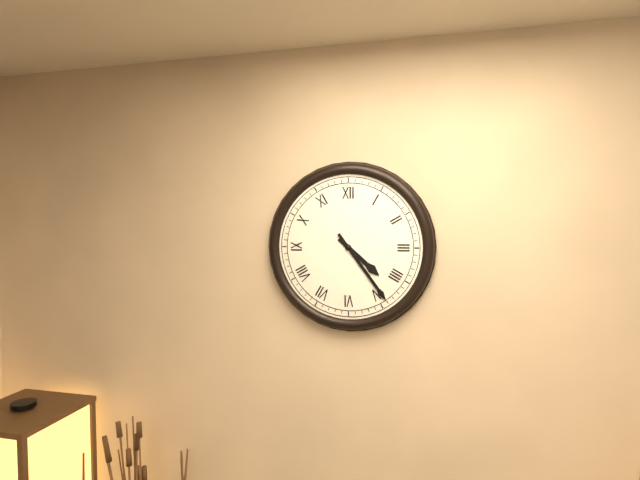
4:24
